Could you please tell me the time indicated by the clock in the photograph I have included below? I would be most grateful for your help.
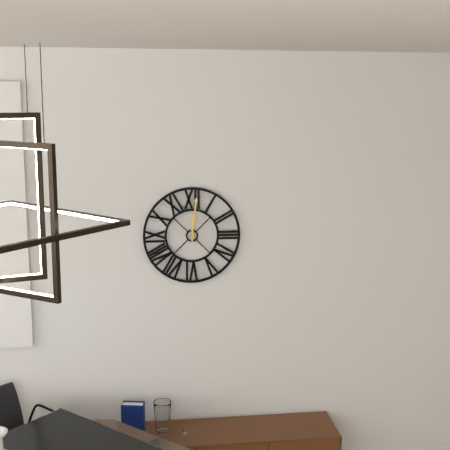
12:01
